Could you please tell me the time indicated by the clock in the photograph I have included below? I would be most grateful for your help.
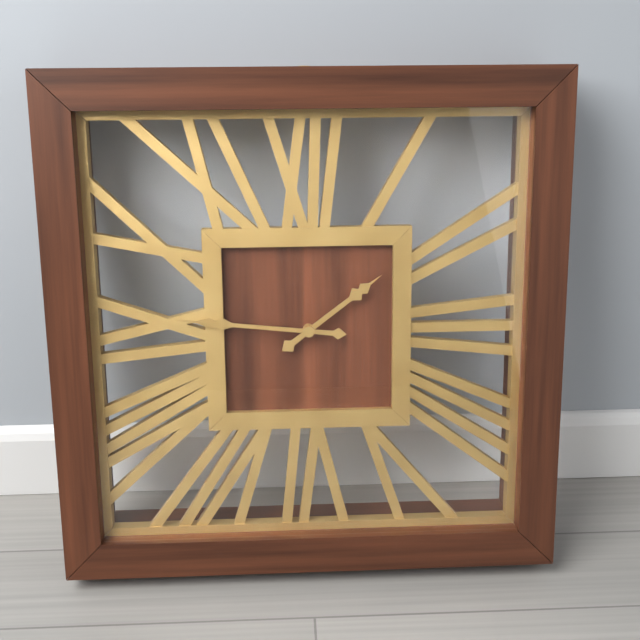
1:46
